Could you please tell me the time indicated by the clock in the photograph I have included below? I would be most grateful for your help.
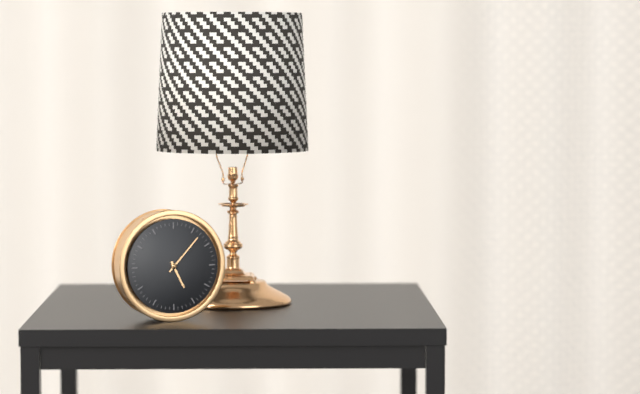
5:07
